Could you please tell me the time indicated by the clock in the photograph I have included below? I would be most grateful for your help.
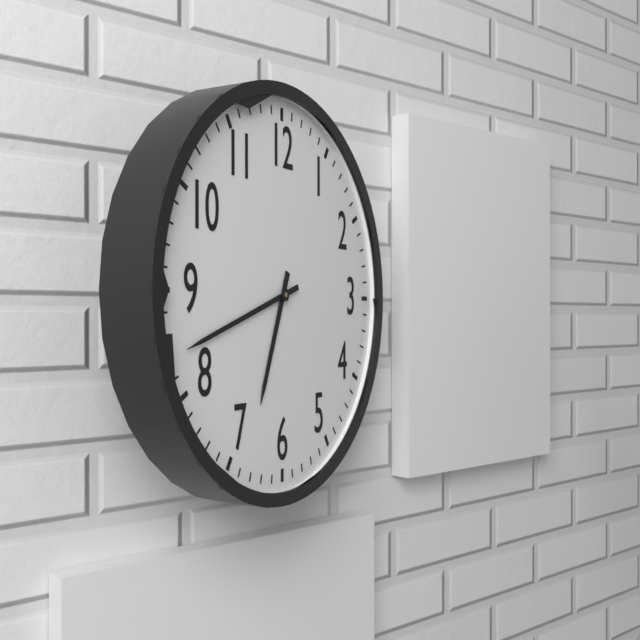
6:42
